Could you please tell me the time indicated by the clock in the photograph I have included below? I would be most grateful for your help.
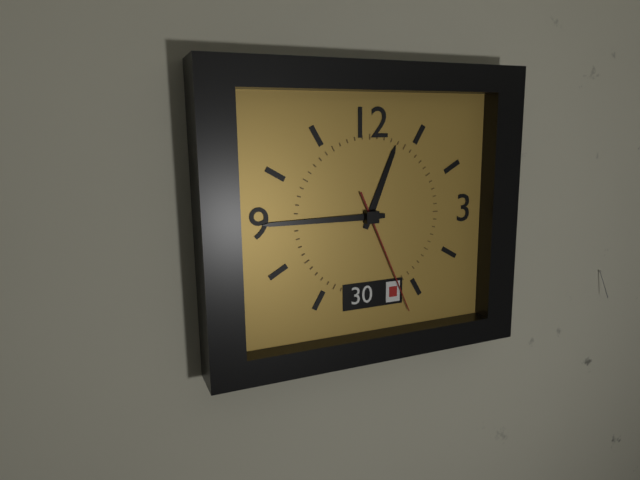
12:45:26
